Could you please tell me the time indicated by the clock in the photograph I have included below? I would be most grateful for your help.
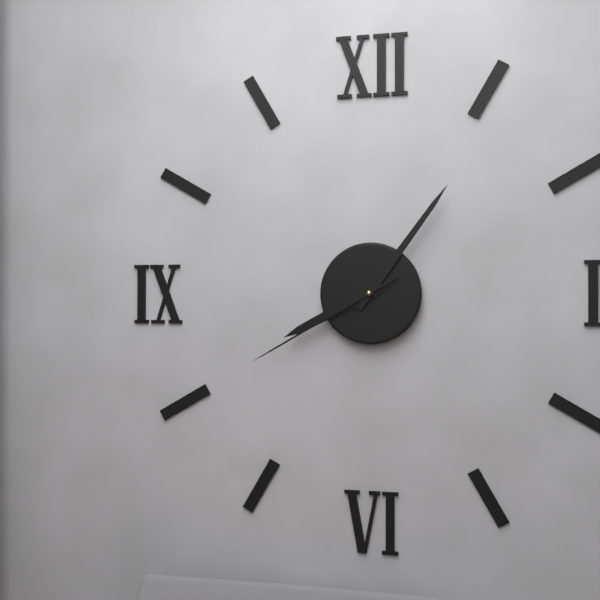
8:06:40
